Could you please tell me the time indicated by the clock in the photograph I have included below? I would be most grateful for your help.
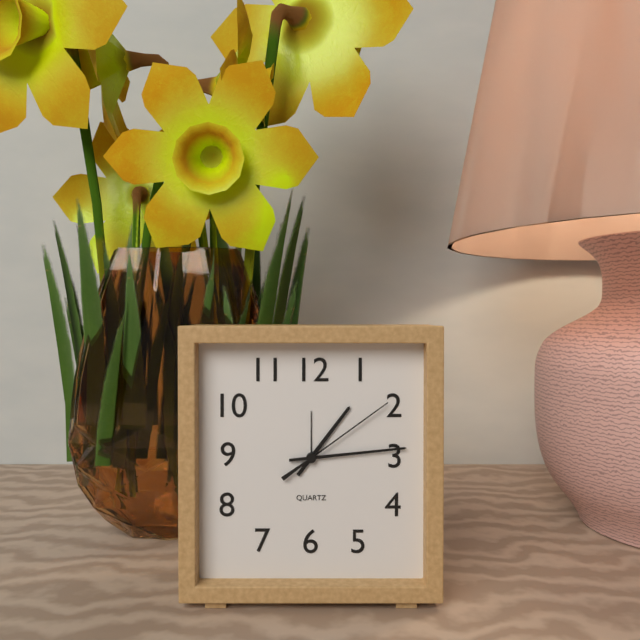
1:14:09
